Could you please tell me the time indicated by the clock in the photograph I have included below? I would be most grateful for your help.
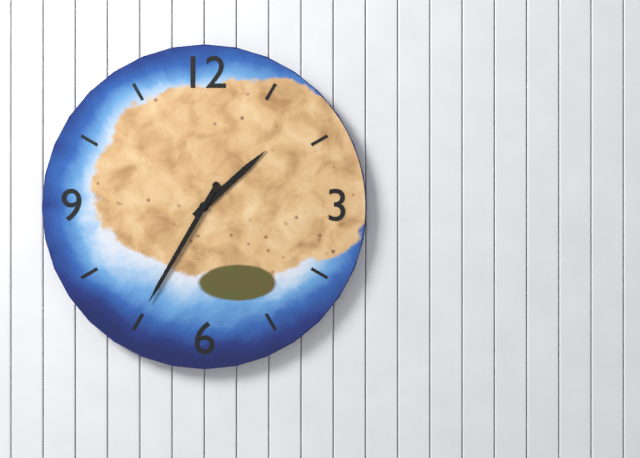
1:35
